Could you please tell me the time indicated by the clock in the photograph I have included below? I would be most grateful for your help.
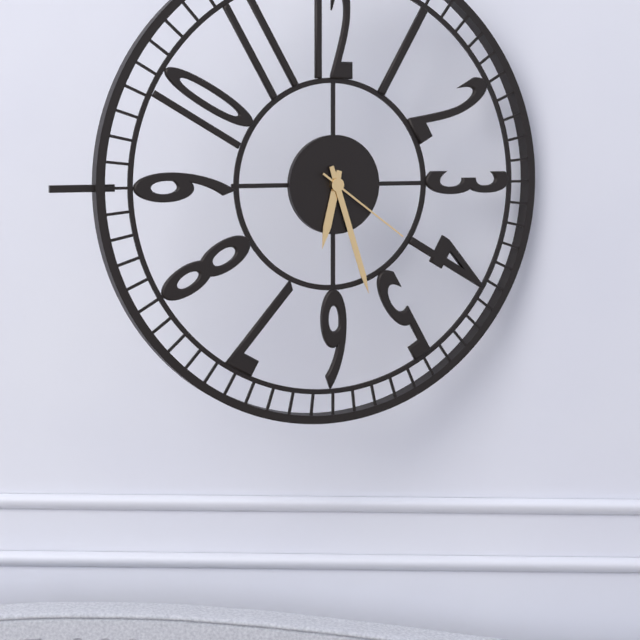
6:27:21
